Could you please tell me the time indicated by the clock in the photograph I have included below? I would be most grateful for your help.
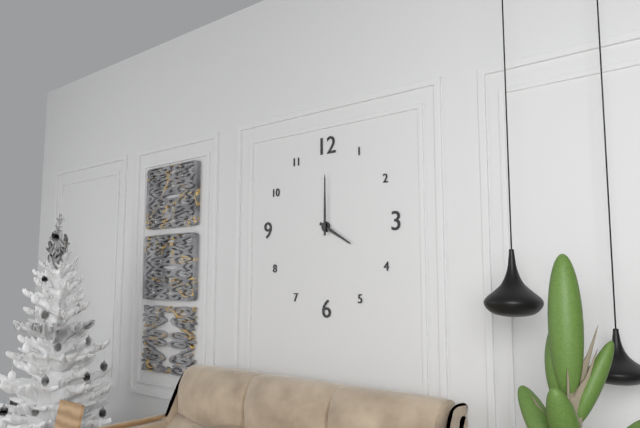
4:00
